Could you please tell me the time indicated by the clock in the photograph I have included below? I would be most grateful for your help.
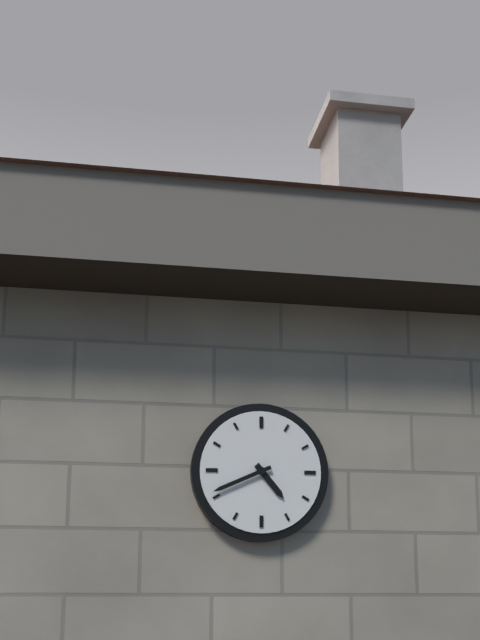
4:41
